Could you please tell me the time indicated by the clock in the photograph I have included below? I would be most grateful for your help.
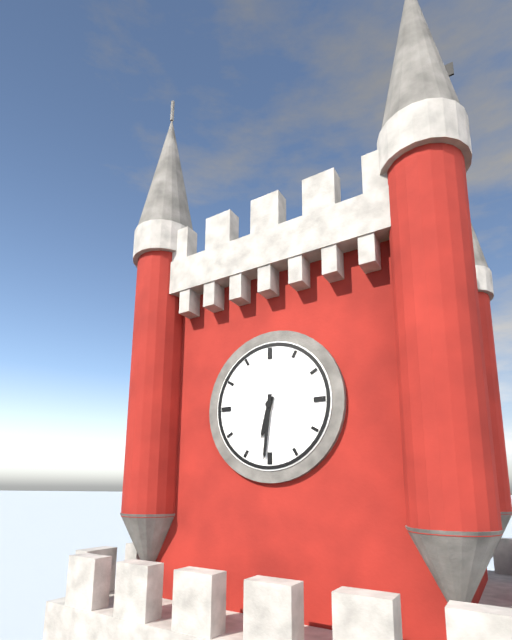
6:31
